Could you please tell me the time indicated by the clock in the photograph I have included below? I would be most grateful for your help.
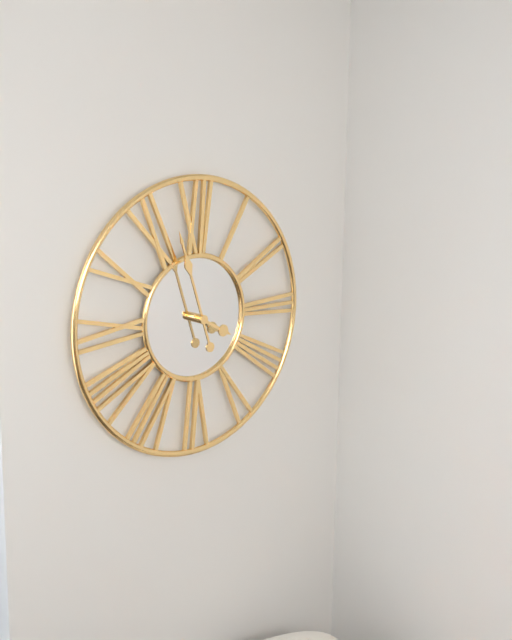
3:57
